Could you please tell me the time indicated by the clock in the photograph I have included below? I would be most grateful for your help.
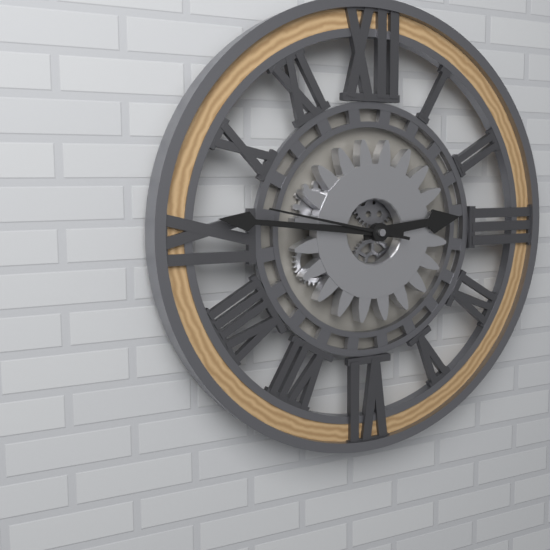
2:46:47
